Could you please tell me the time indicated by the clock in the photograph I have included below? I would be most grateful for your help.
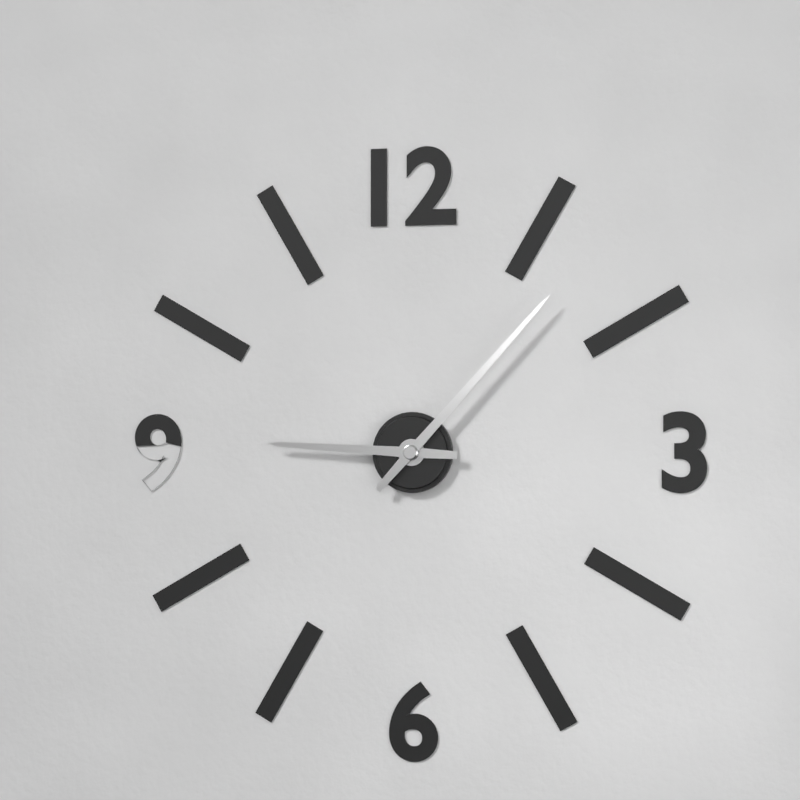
9:07
